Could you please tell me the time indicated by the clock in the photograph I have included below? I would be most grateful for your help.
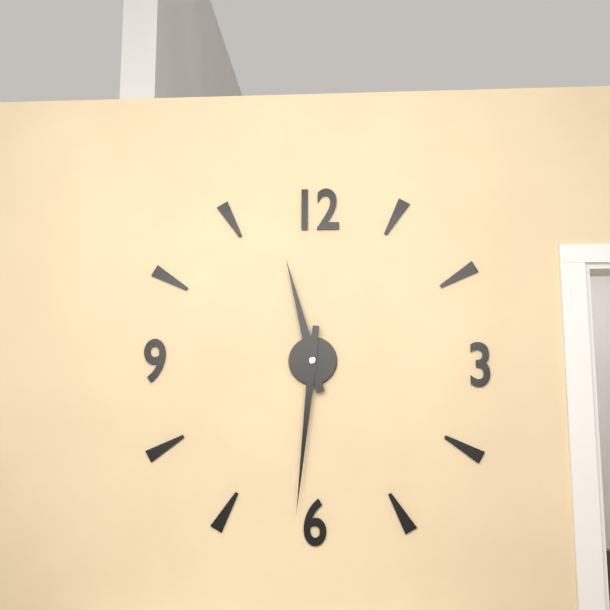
11:31
